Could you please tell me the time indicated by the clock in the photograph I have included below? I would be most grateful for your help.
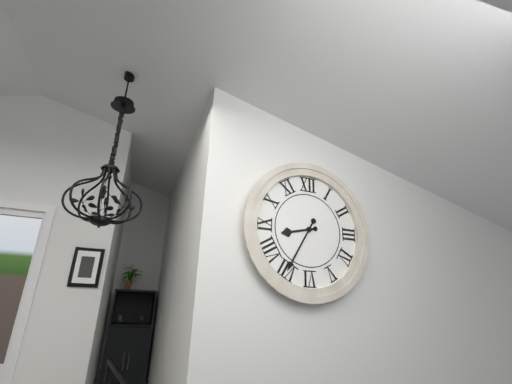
8:35
